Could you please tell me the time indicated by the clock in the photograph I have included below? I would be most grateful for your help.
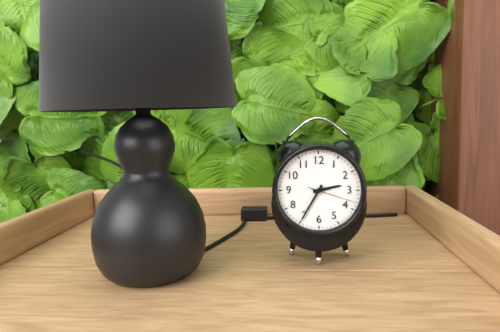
2:35:18
